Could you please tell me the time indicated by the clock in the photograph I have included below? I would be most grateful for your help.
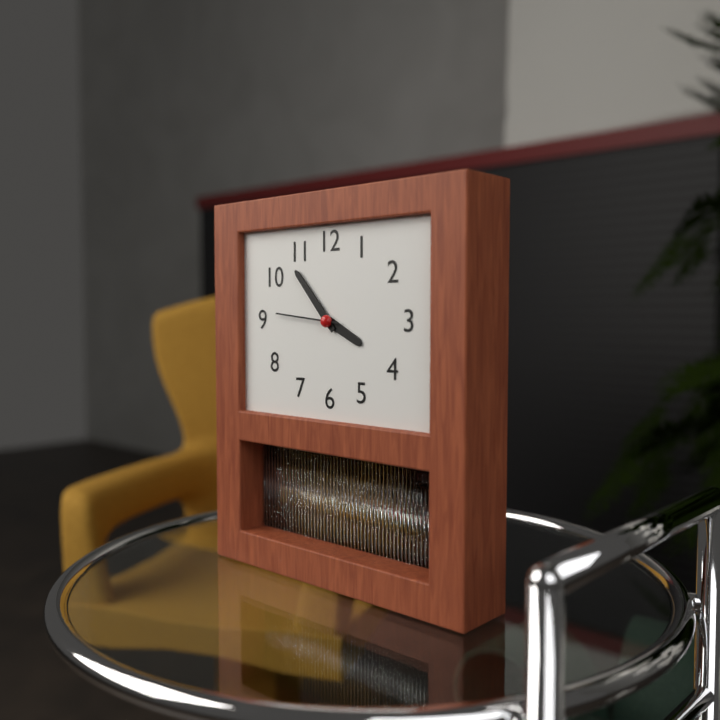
3:53:46
